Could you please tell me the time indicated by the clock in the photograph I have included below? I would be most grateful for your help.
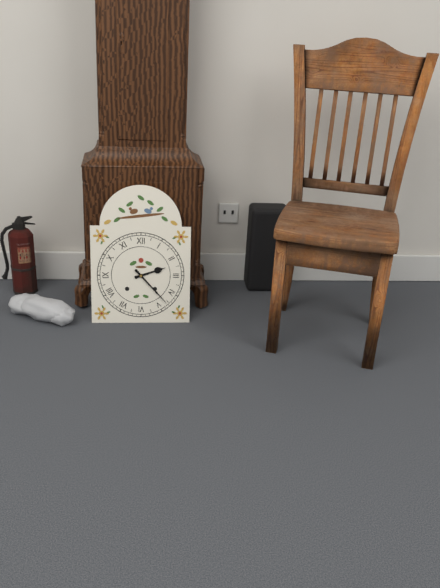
2:23
